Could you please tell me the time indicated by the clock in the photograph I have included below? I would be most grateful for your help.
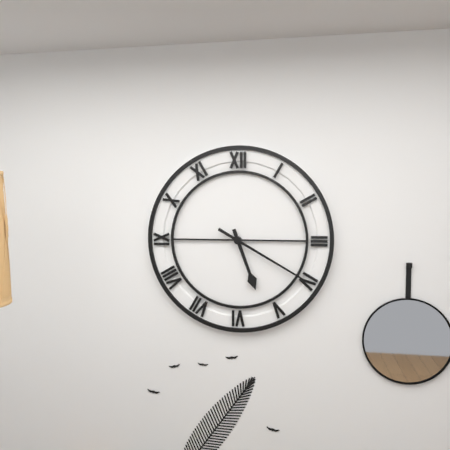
5:20
